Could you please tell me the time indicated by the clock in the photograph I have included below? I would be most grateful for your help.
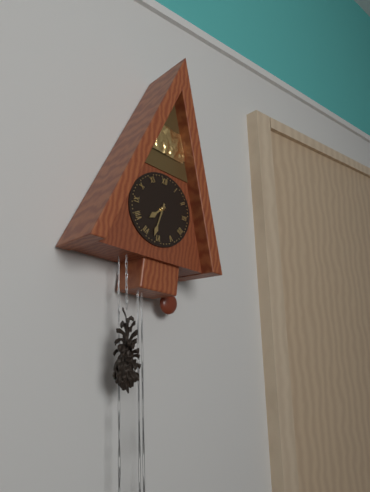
7:32
